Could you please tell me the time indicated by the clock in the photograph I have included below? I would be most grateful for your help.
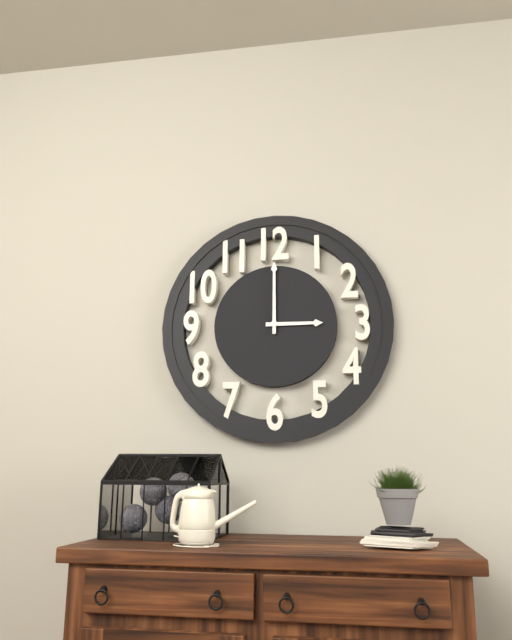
3:00
